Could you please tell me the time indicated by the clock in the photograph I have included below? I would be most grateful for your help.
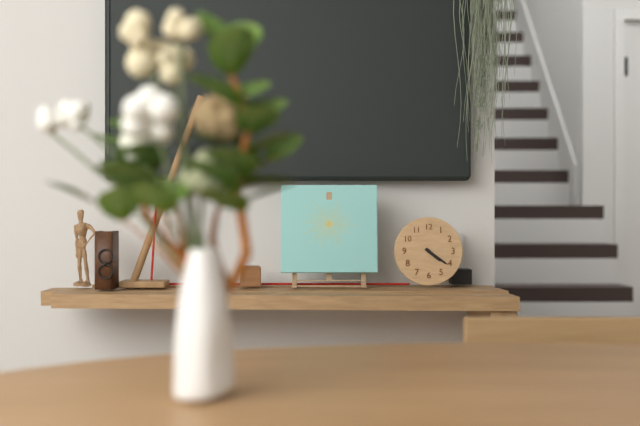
4:21
